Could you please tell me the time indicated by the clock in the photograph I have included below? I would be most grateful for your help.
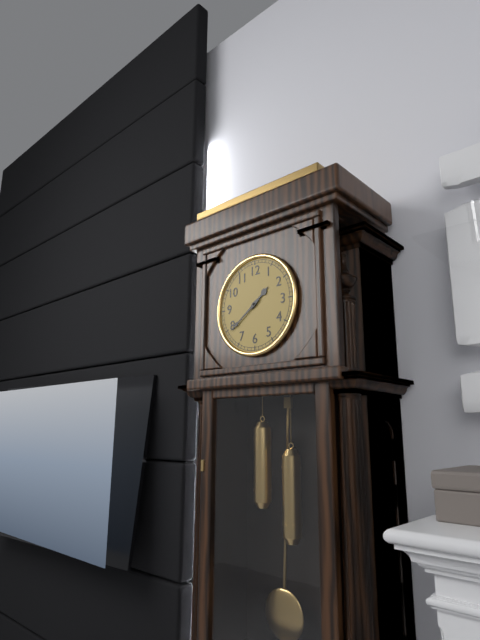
1:39
